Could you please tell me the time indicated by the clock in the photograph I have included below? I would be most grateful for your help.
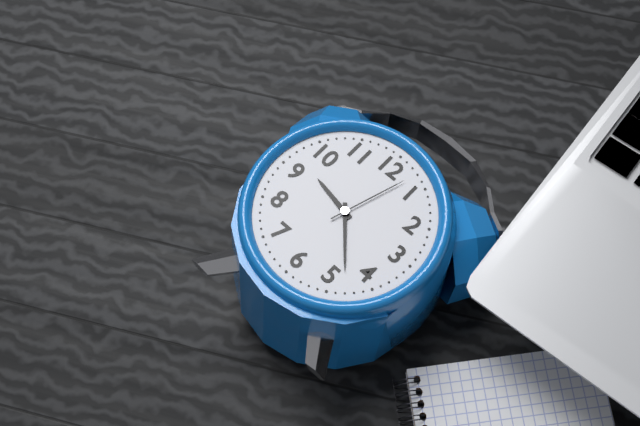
9:23:03
